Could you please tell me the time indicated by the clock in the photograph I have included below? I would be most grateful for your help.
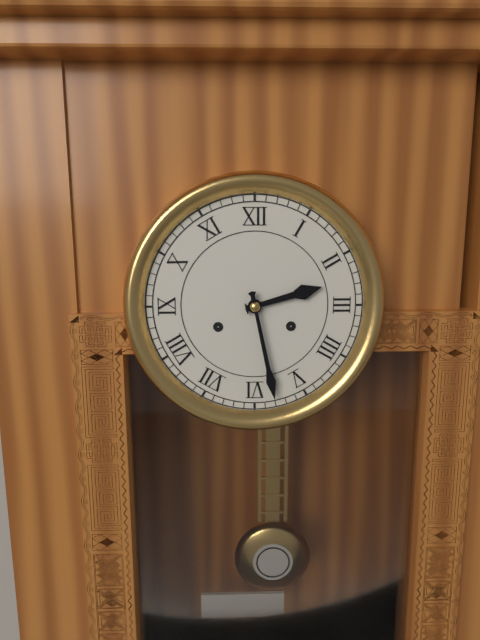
2:28
